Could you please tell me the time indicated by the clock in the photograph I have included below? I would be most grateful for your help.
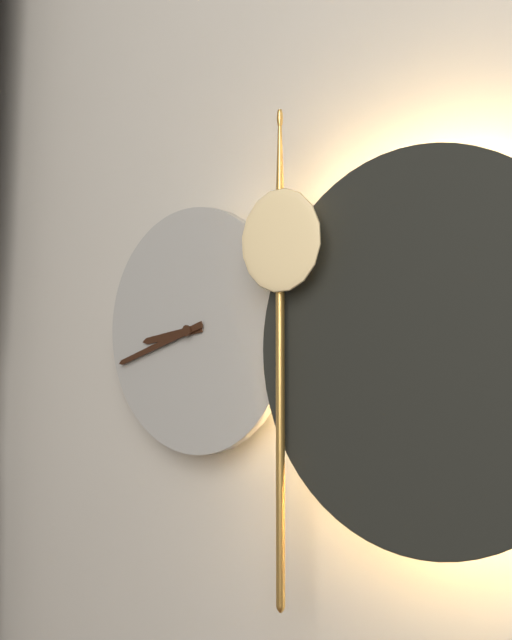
8:42
